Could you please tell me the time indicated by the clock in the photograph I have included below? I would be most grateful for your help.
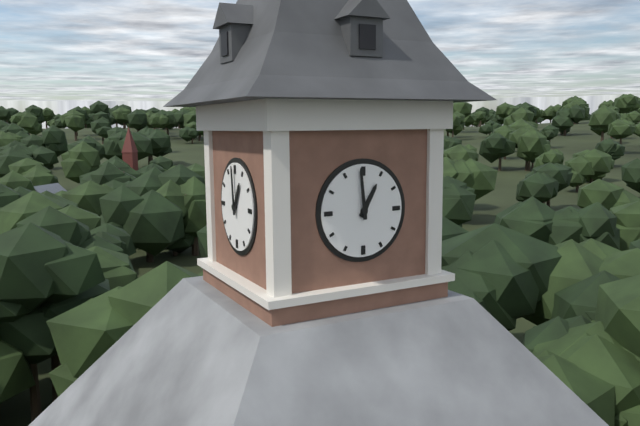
12:59
